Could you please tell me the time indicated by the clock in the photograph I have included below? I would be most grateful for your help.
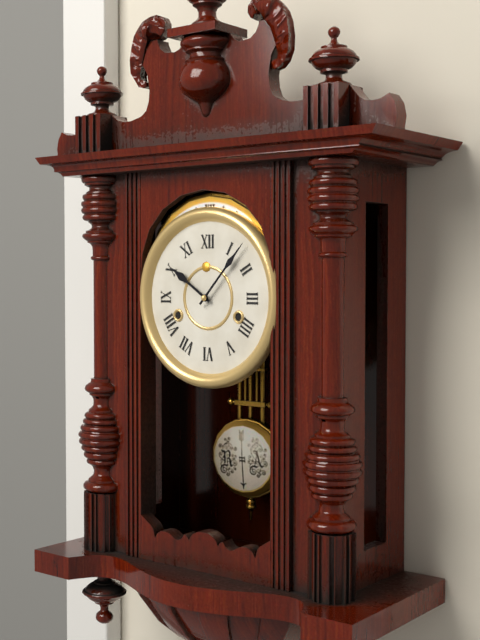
10:07
